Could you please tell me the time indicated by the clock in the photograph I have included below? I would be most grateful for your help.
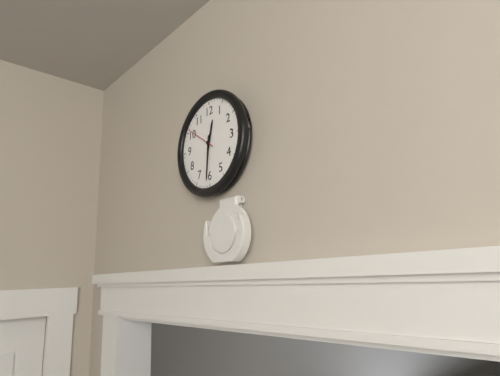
12:31
